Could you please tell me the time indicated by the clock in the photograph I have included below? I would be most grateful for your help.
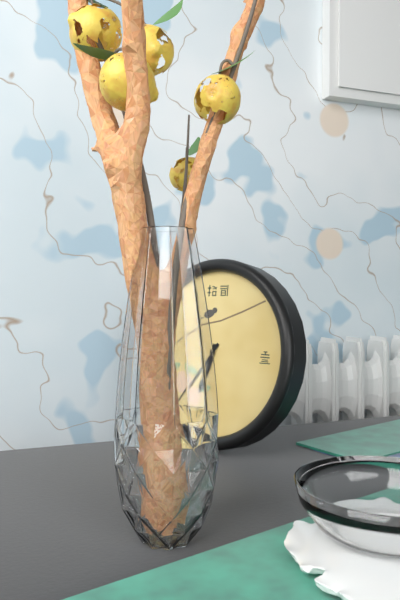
6:36
